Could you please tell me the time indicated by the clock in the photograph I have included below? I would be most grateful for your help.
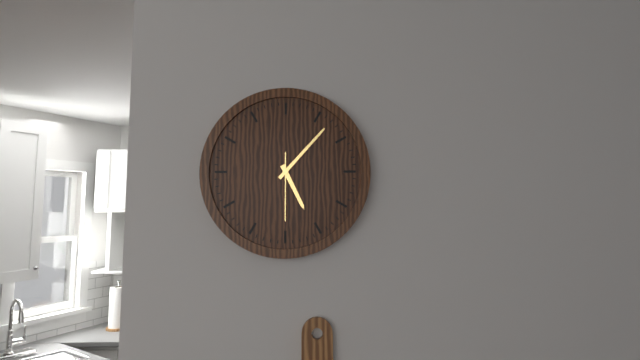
5:07:30
